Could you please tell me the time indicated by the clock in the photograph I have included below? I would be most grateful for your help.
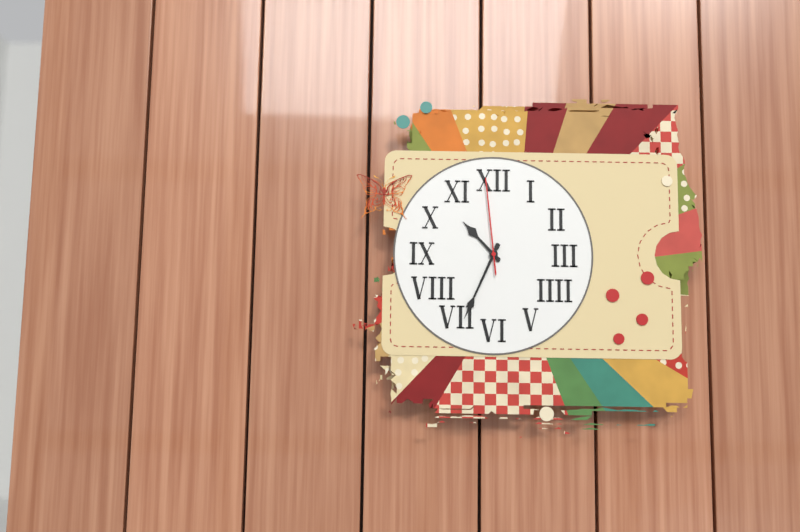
10:34:59
